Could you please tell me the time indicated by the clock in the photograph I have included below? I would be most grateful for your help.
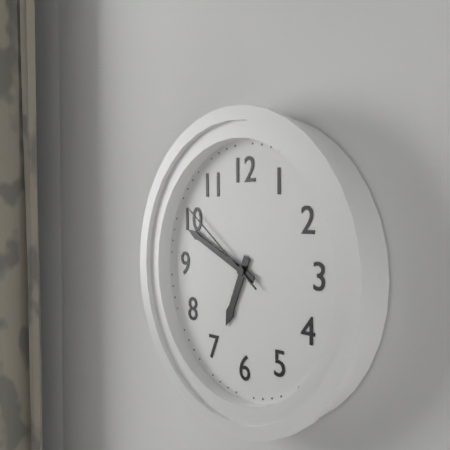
6:49:51
